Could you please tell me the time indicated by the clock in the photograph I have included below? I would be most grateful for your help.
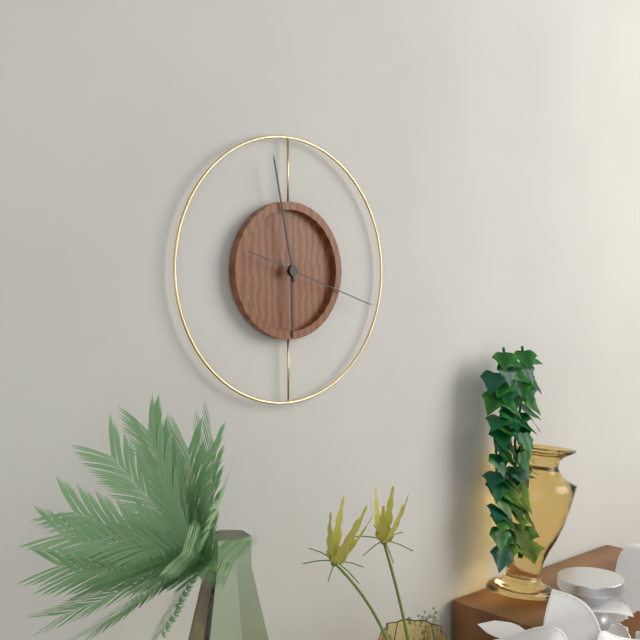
5:58:18
